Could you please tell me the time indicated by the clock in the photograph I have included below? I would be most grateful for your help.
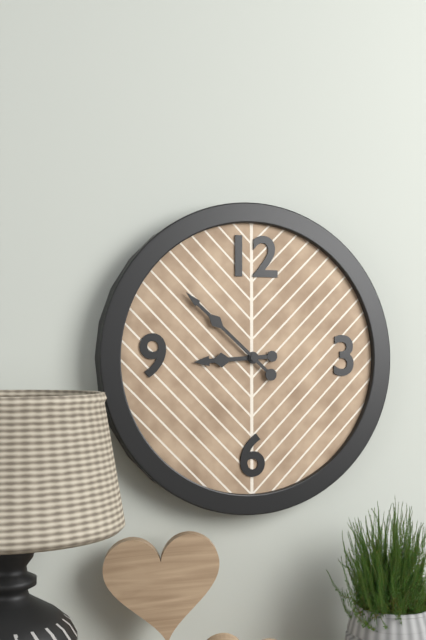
8:52
